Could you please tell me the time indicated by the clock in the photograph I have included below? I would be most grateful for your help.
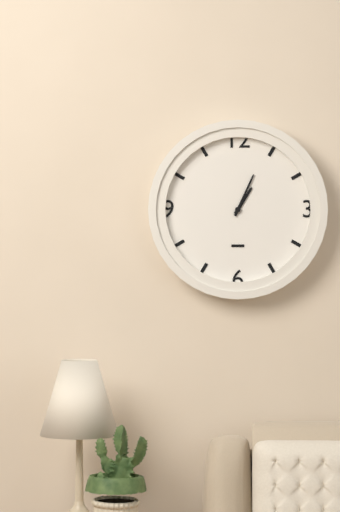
1:04
